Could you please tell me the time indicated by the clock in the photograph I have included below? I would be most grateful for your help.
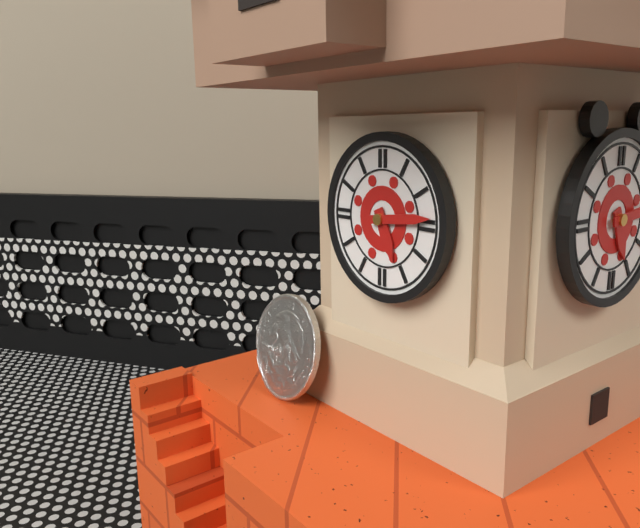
5:14
